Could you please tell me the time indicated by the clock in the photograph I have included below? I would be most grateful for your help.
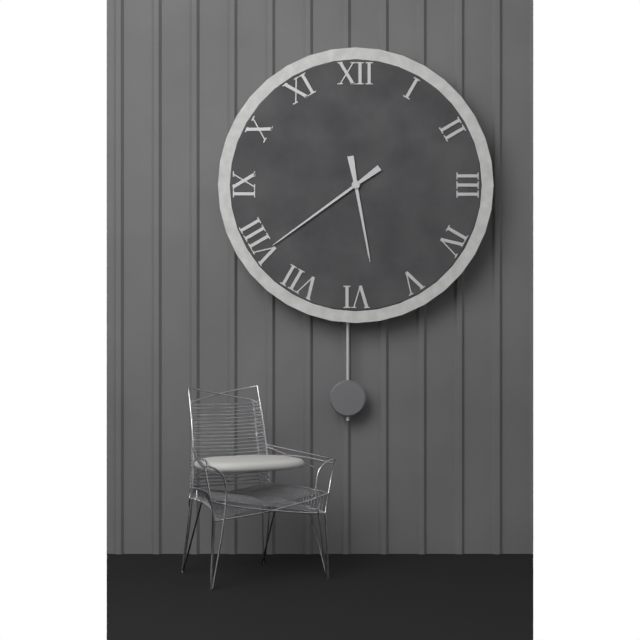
5:39
